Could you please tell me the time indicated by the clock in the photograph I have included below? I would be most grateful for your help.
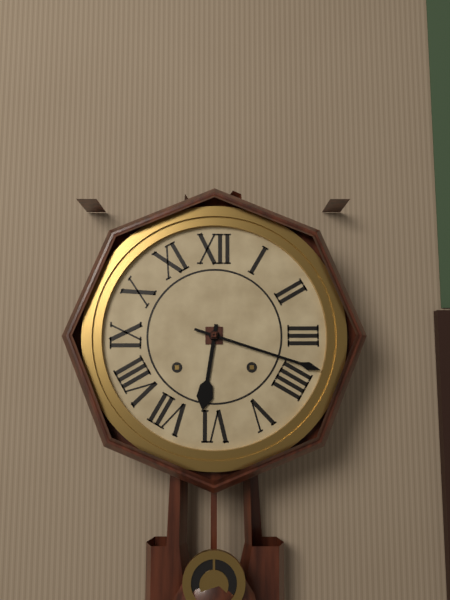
6:18
